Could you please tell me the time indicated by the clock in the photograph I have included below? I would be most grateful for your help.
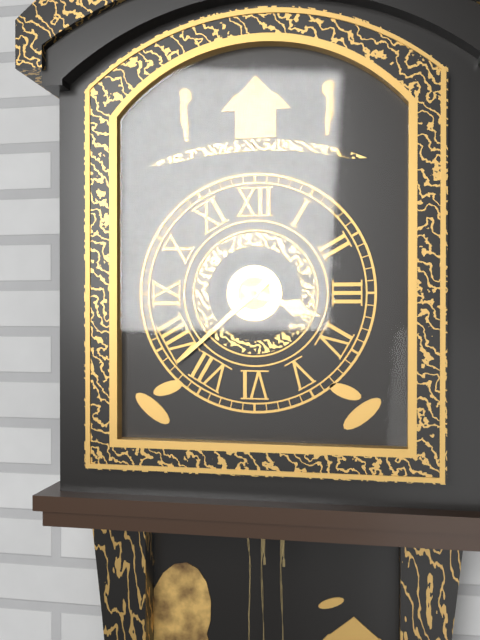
3:38
